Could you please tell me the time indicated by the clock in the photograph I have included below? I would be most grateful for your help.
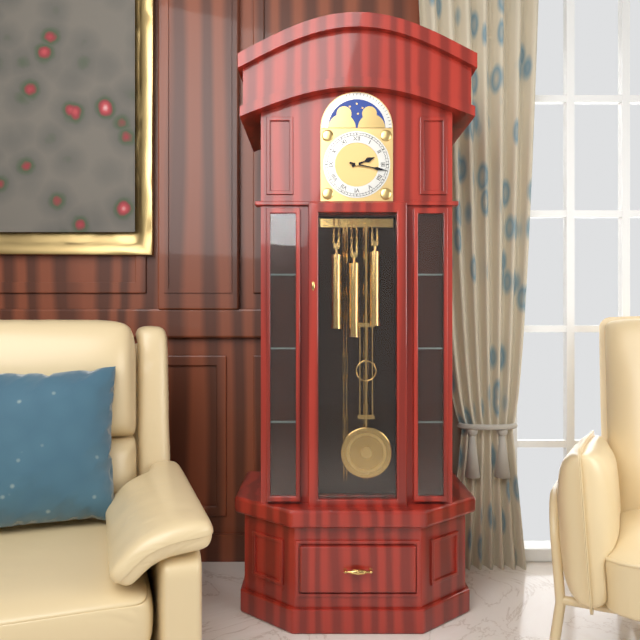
2:17
